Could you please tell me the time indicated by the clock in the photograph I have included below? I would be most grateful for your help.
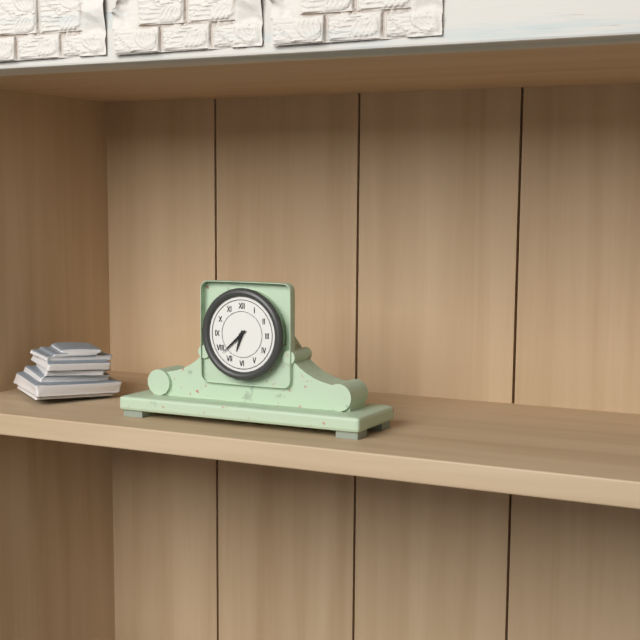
6:38
